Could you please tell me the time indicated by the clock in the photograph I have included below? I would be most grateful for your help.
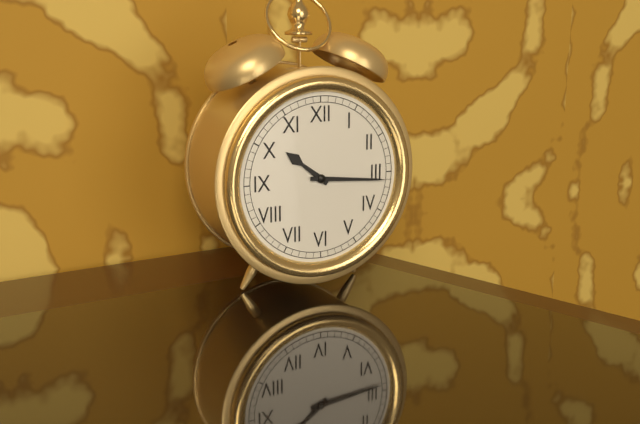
10:16
